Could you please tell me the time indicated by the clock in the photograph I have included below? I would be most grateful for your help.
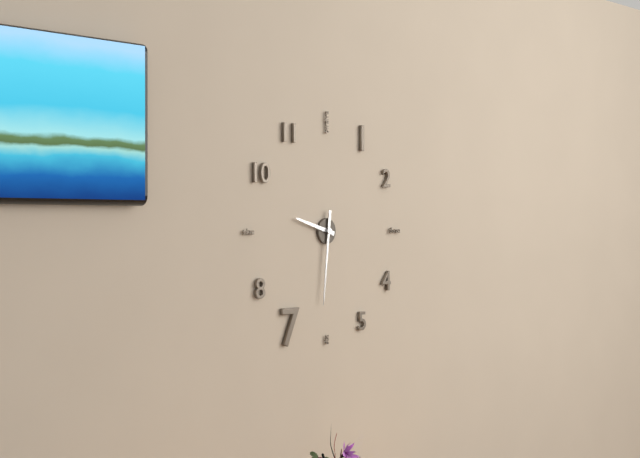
9:31
